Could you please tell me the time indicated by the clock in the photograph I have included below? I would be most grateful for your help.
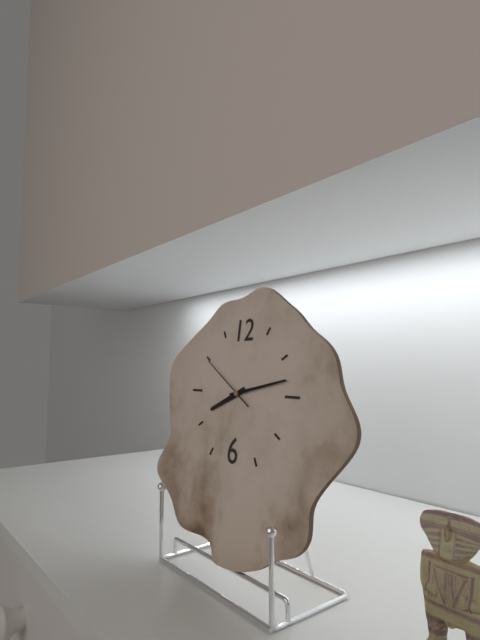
8:13:50
